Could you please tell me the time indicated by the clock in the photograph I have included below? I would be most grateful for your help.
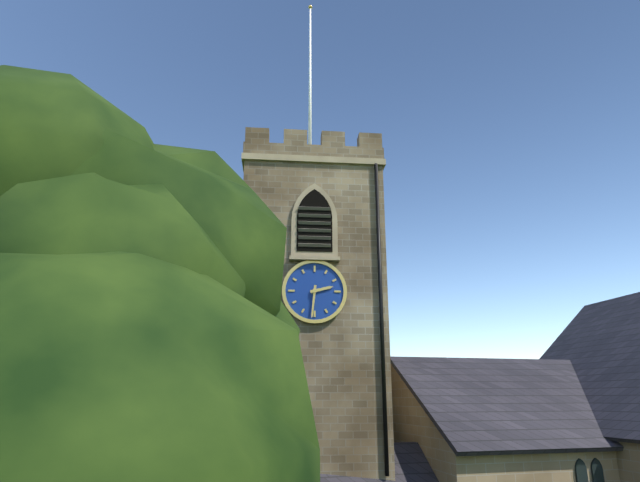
2:31
